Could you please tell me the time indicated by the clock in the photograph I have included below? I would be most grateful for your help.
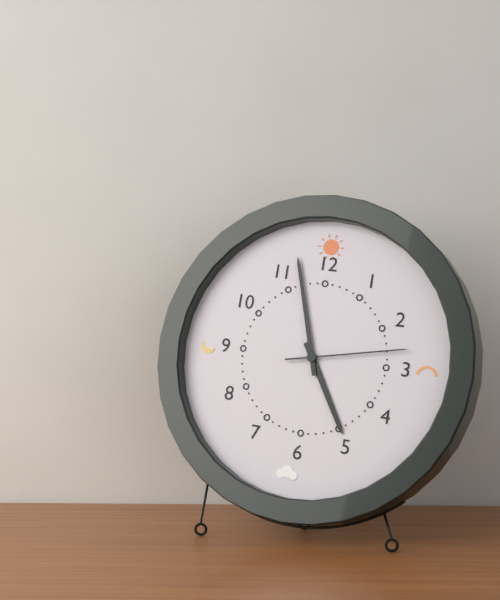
4:57:13
